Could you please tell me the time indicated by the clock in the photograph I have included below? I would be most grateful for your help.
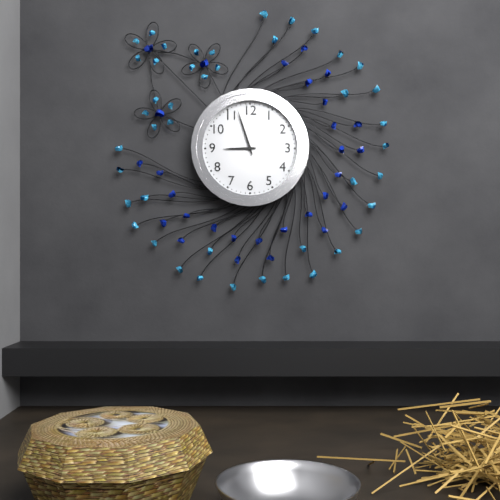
8:57
